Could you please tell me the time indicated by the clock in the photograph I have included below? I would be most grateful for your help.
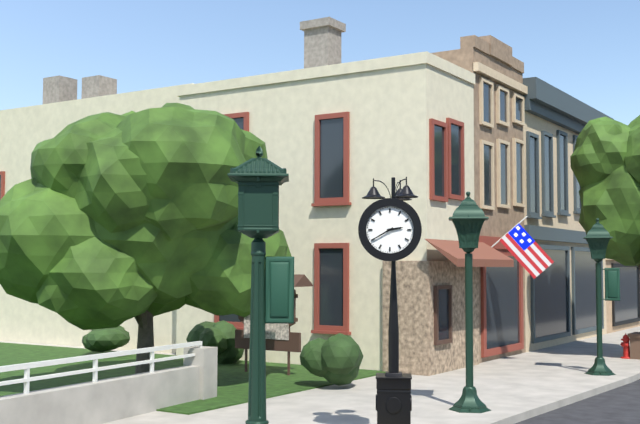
2:40
